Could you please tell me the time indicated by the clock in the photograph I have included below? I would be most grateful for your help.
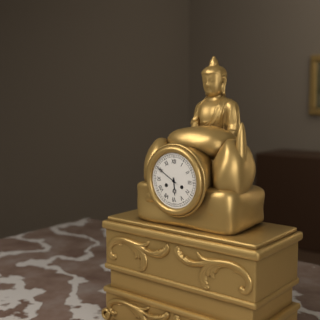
5:50
